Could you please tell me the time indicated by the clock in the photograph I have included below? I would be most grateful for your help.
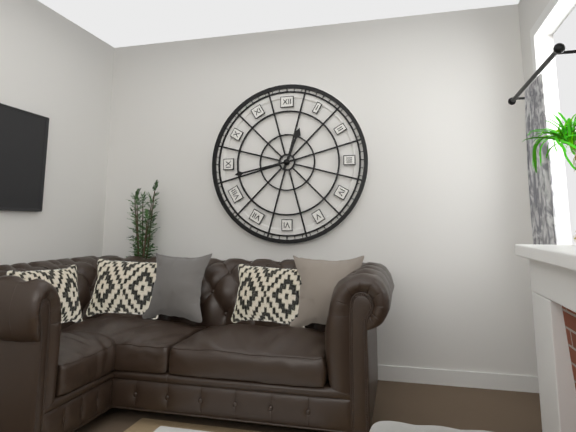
12:43
